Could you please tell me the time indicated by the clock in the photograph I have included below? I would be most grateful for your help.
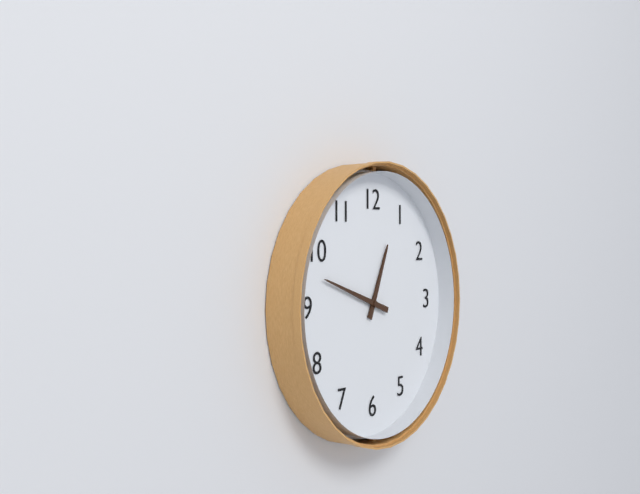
12:48
